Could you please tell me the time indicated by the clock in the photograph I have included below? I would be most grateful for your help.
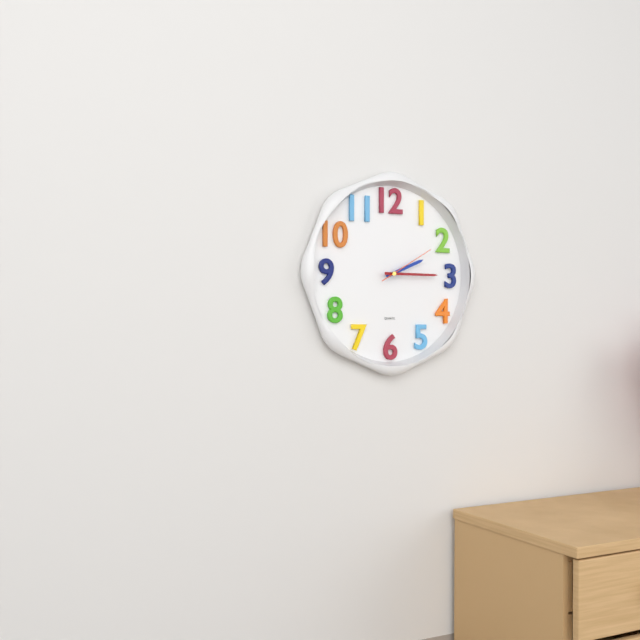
2:15:10
